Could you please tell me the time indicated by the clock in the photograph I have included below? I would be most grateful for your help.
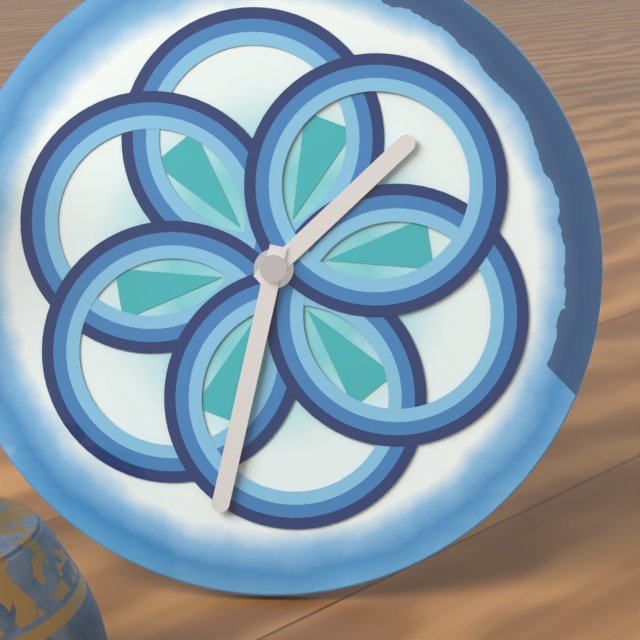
1:32
